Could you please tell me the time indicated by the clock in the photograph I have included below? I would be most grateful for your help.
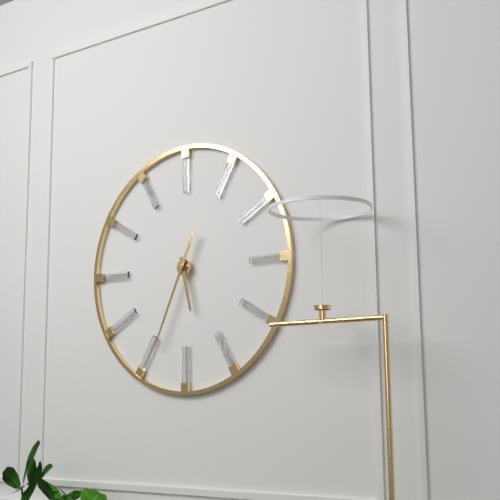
5:34
